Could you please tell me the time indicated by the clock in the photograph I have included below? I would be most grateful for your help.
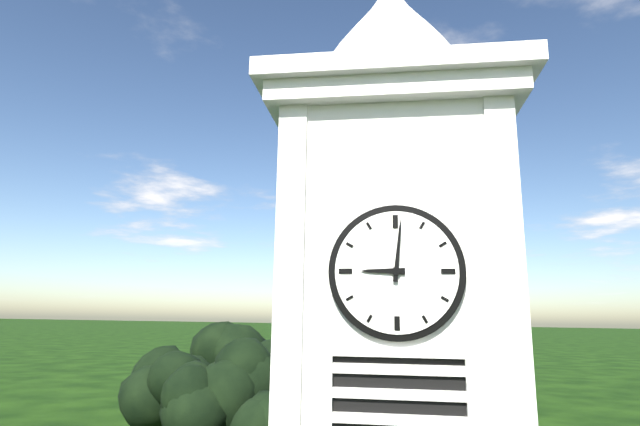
9:01
